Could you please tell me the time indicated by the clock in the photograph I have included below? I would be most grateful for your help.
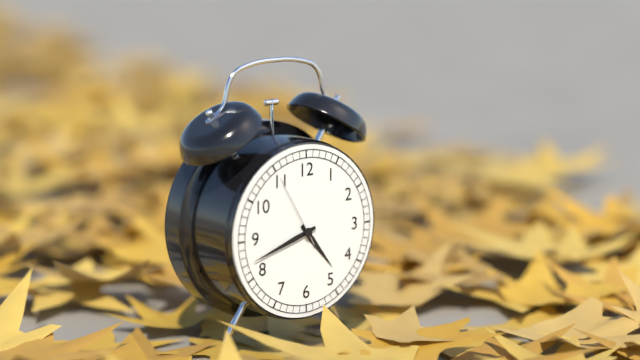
4:42:55
